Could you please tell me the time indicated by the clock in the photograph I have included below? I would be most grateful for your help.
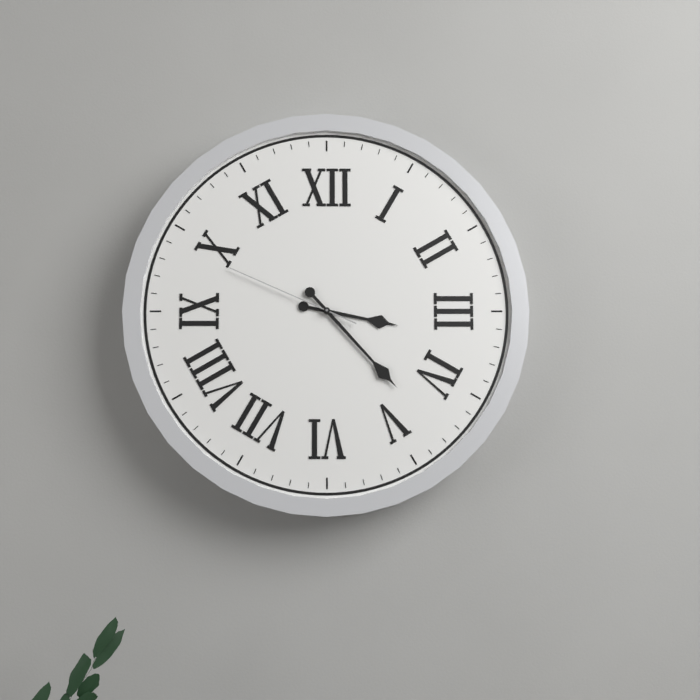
3:23:49
